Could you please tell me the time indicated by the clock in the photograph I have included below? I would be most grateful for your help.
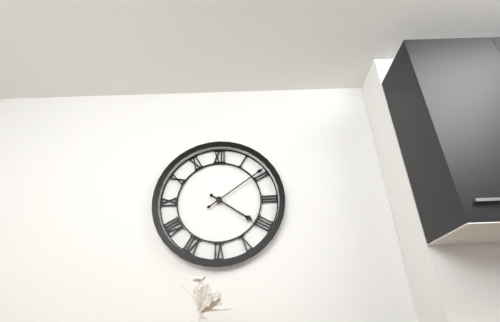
4:09
